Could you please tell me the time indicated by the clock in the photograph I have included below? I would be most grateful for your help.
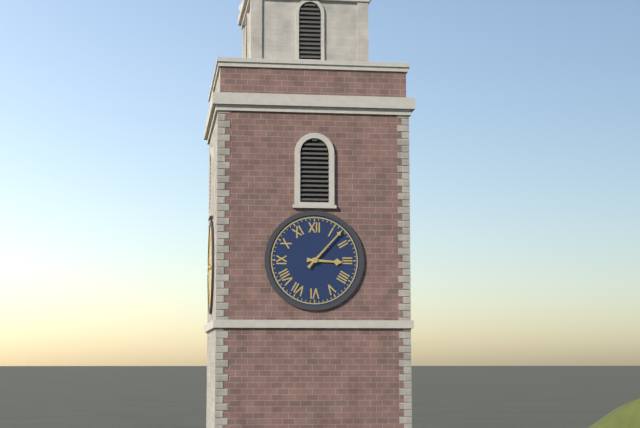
3:07
